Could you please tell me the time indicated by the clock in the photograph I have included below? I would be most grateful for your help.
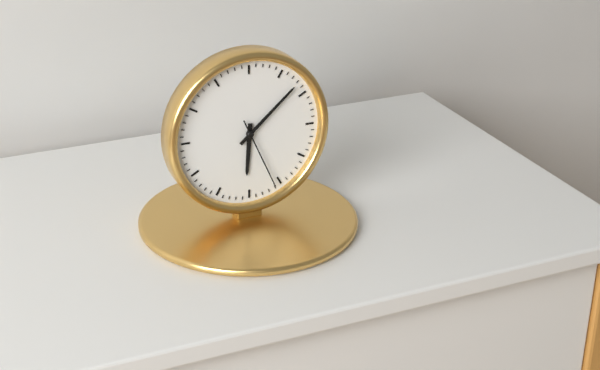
6:08:26
